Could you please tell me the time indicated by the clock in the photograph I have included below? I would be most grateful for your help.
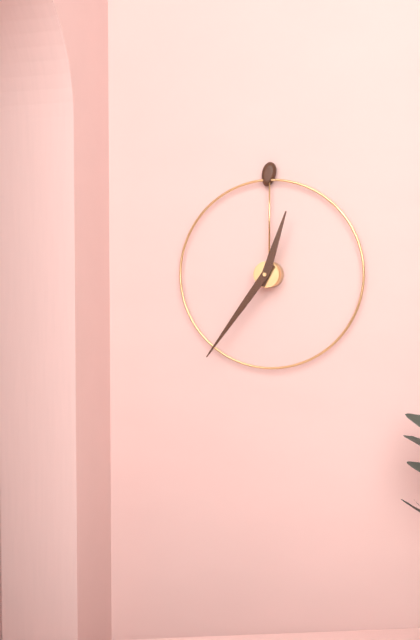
12:36
